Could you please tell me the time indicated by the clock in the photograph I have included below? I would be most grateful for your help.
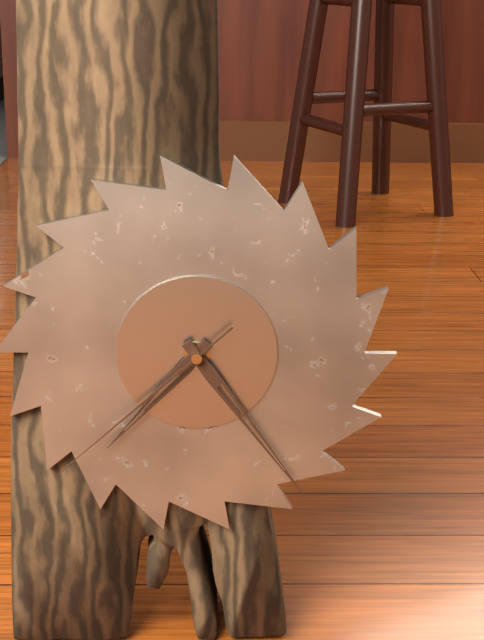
7:24:38
